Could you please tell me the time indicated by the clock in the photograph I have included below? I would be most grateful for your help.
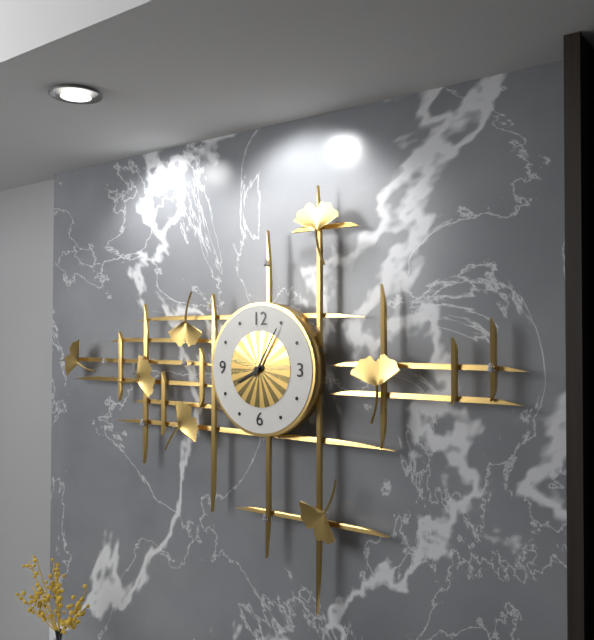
8:05
